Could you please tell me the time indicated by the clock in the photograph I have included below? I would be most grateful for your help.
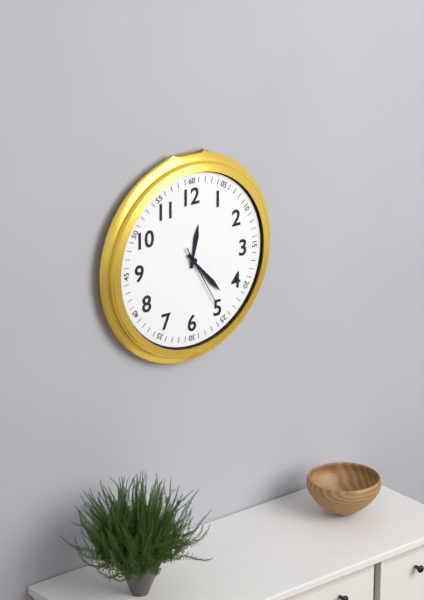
12:23:25
